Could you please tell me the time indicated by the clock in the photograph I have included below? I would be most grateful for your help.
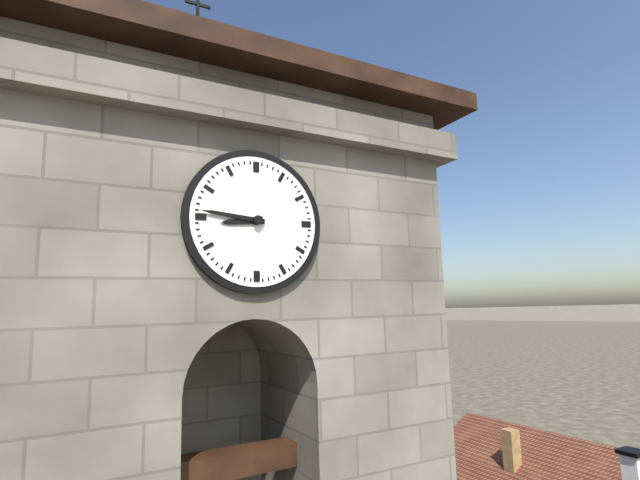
8:46
